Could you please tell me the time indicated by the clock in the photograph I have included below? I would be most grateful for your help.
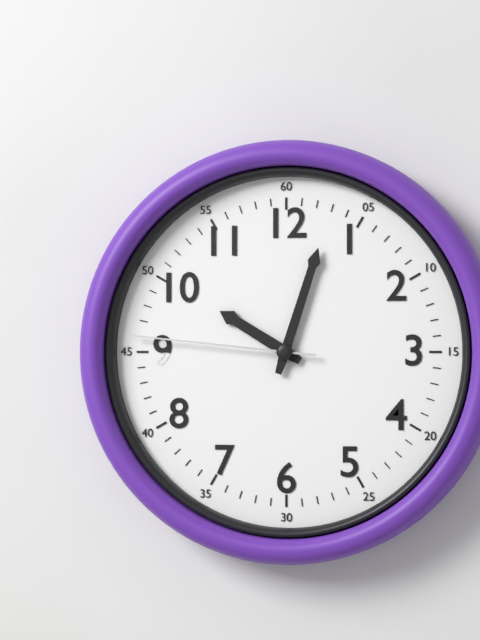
10:03:46
